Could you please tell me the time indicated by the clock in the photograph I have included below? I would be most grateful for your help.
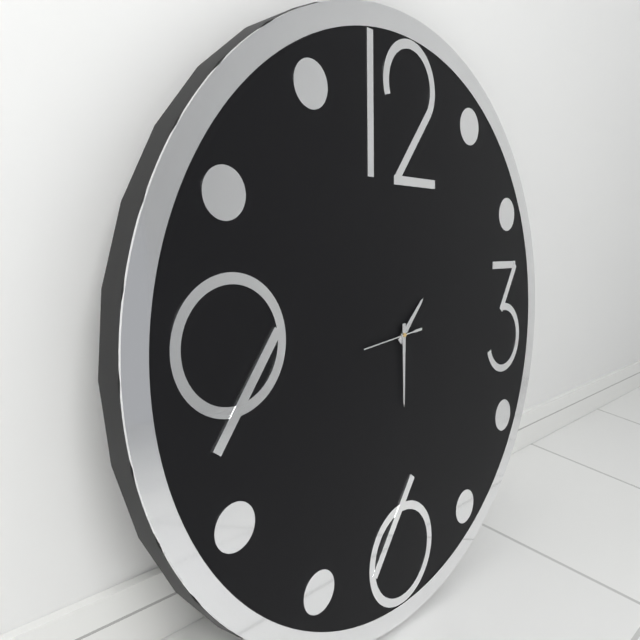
1:30:44
